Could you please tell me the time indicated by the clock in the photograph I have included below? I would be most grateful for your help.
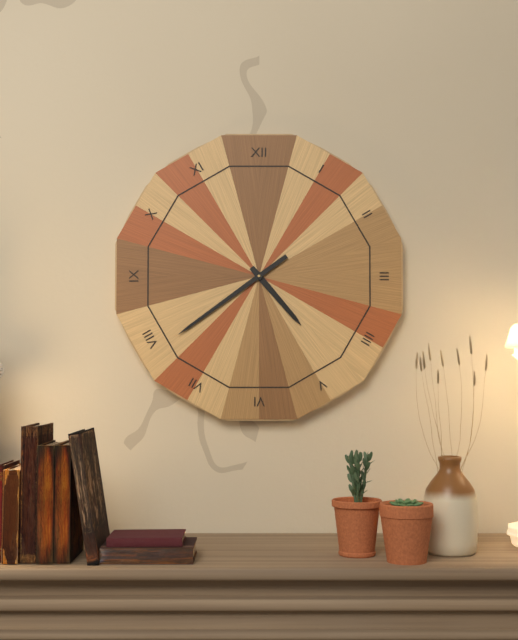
4:39
